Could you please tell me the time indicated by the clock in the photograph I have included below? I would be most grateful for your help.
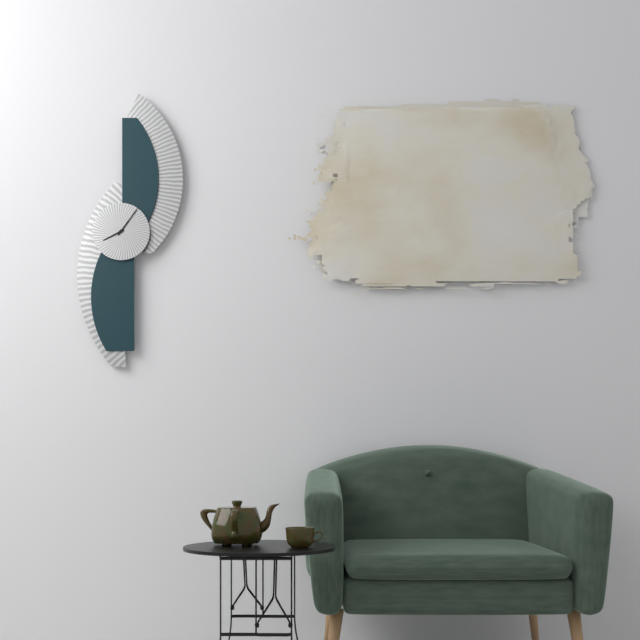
8:06
